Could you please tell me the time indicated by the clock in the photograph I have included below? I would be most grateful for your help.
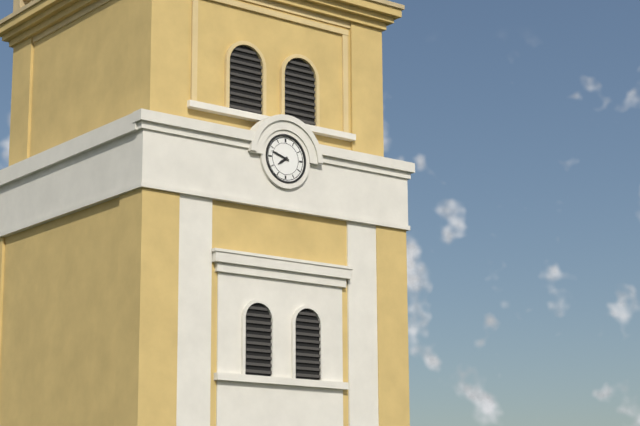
7:48
